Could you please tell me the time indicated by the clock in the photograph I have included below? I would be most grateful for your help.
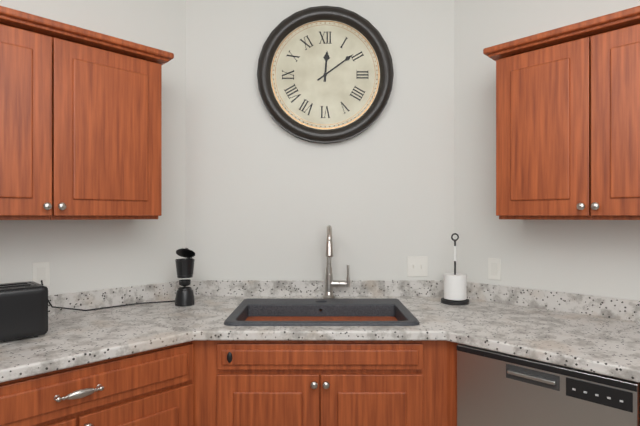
12:09
